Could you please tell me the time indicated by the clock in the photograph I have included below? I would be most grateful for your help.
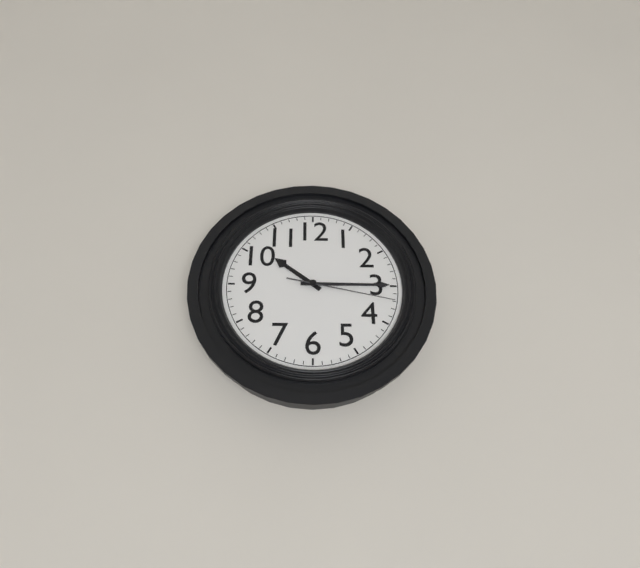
10:15:17
